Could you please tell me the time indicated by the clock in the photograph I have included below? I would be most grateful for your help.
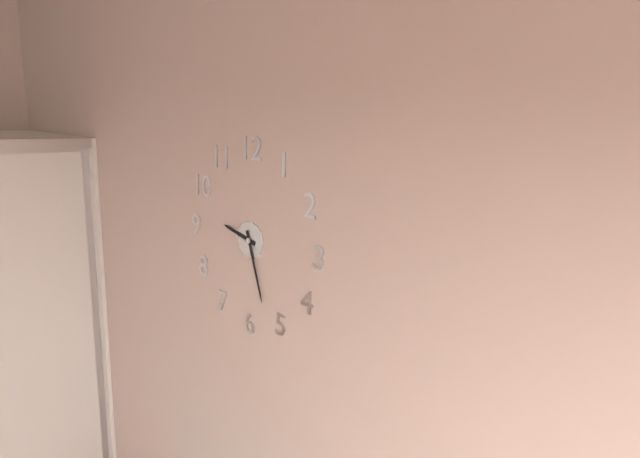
9:27
